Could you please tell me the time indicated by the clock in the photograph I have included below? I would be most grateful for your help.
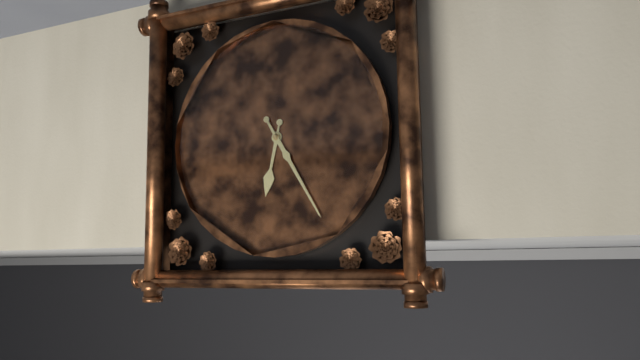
6:25
